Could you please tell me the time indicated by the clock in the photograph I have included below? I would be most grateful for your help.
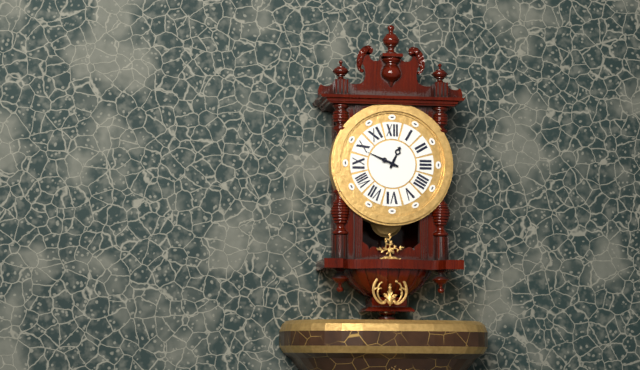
12:49
